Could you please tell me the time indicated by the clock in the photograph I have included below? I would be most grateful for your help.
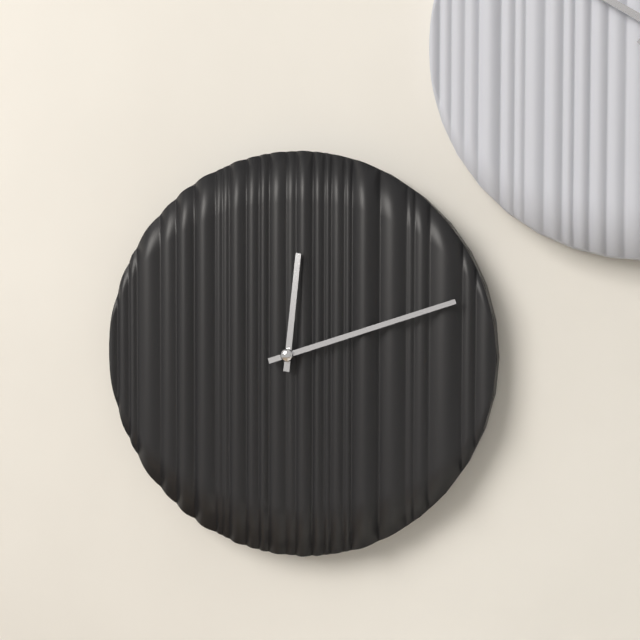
12:12
